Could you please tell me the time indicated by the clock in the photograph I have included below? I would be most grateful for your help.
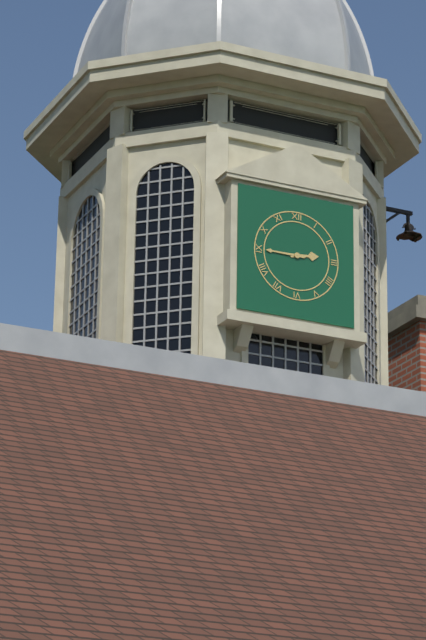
2:45
